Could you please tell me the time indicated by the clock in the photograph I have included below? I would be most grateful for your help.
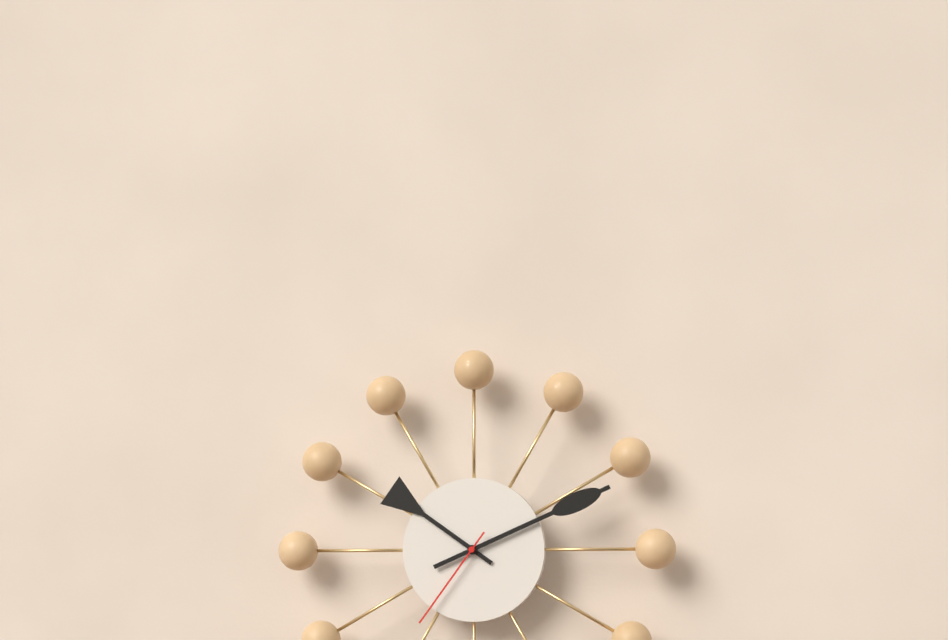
10:11:36
